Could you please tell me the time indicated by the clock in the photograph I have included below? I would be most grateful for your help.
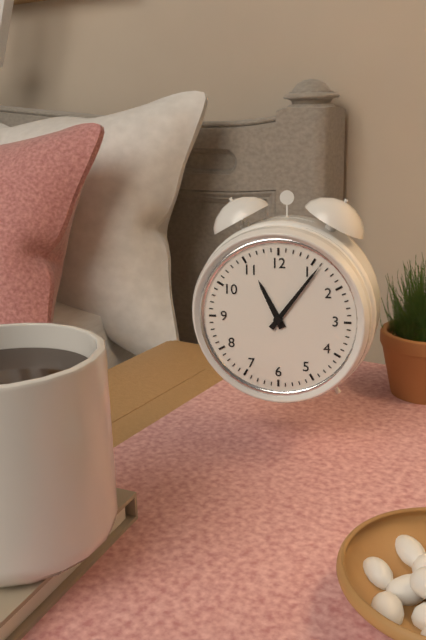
11:06
